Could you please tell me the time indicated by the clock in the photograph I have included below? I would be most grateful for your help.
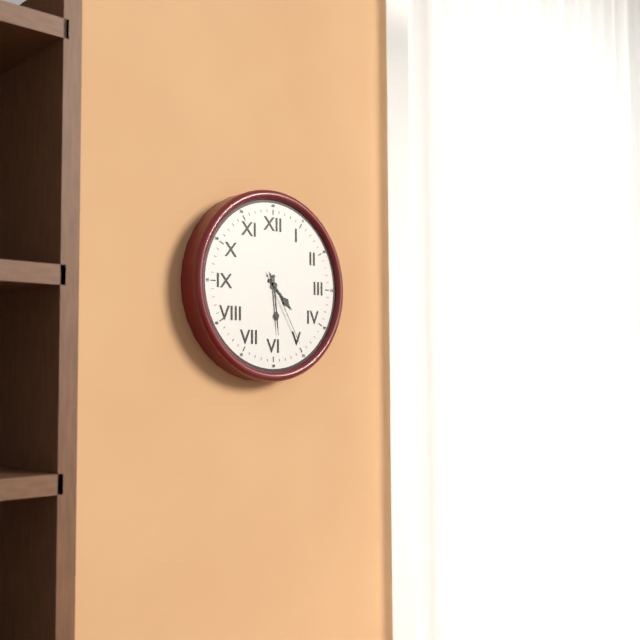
4:29:25
